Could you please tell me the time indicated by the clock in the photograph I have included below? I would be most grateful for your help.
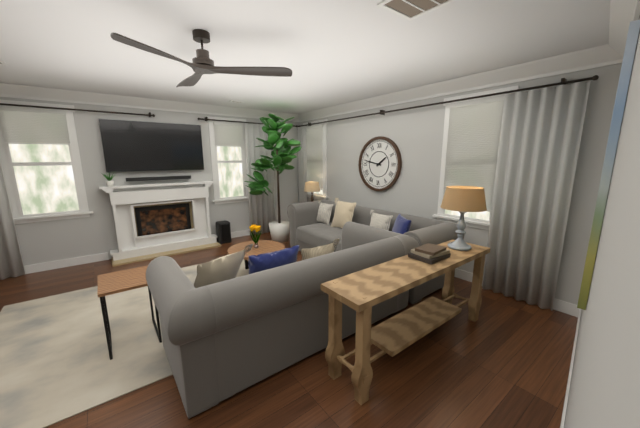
1:47
